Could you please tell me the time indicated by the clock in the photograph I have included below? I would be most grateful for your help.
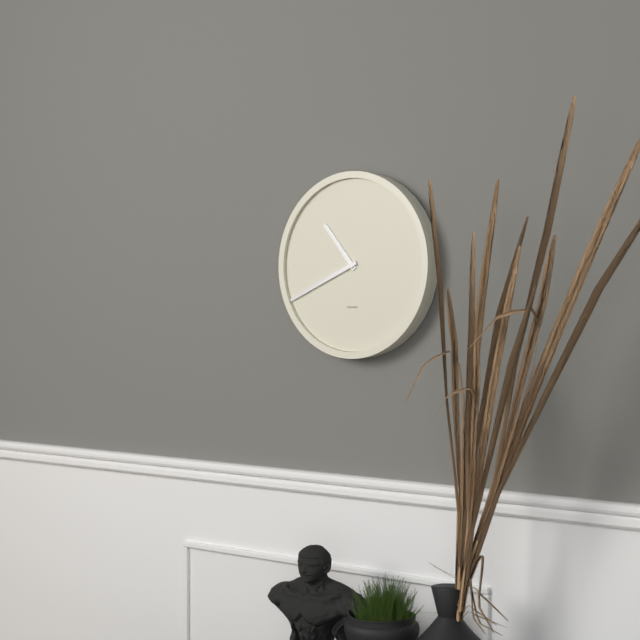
10:41
